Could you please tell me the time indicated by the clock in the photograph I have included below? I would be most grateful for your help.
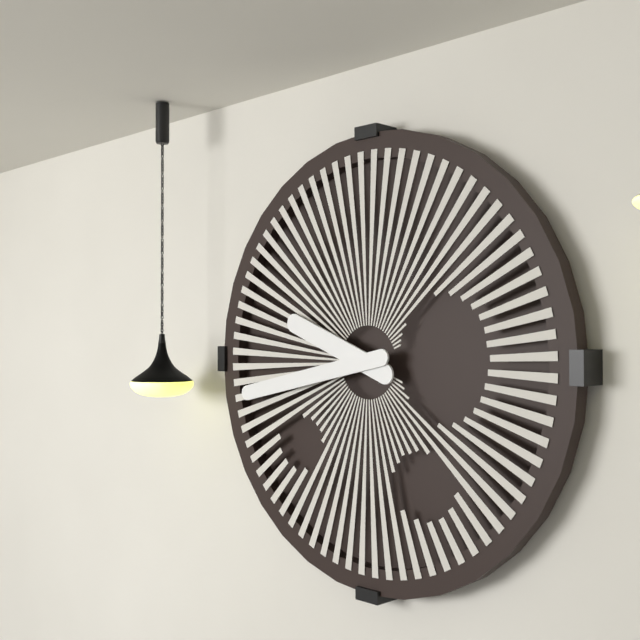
9:43
